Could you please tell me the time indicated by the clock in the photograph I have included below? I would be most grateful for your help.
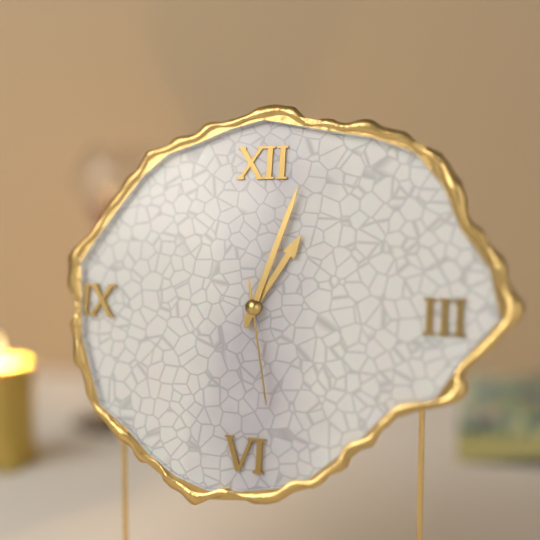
1:03:28
